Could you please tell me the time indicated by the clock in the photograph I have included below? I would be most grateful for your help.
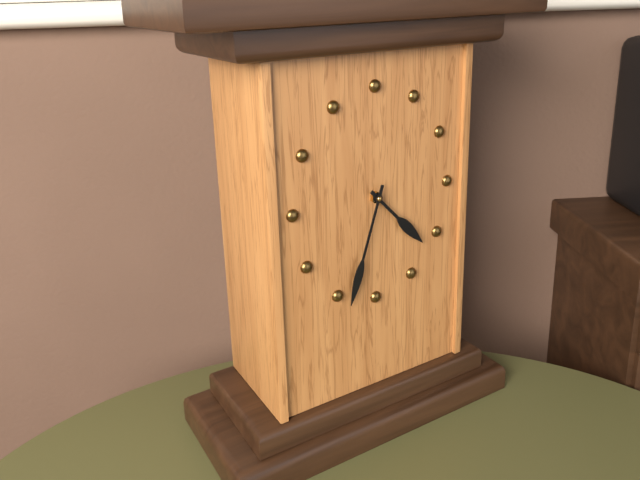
4:33
